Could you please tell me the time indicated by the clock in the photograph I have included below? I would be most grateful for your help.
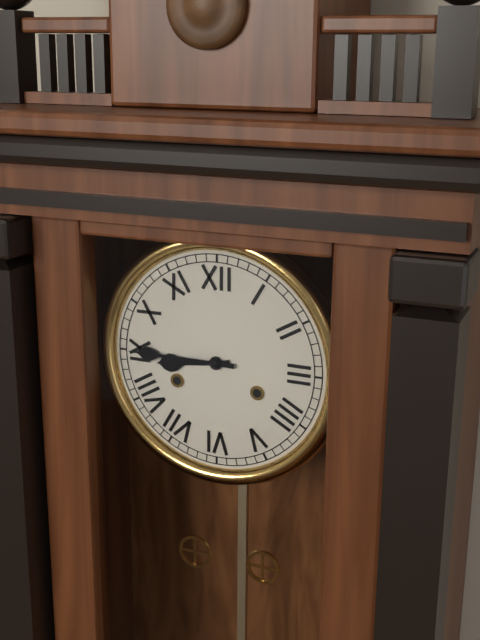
8:45
